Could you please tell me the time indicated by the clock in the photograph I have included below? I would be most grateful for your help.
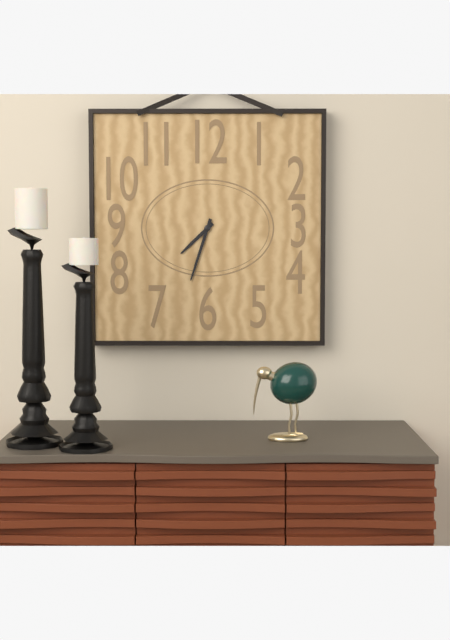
7:33
